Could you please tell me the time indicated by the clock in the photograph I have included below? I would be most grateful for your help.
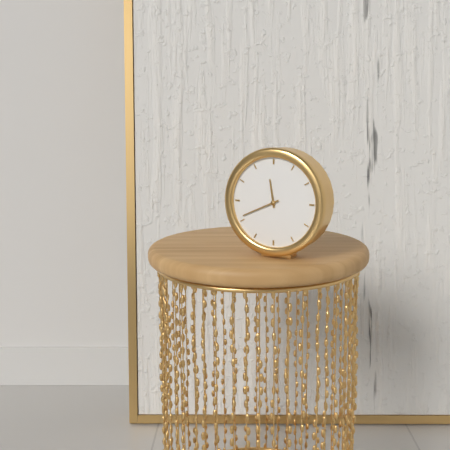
11:41
